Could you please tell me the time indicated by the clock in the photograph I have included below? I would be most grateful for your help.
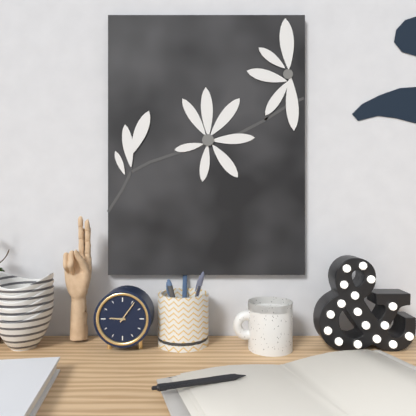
9:06
